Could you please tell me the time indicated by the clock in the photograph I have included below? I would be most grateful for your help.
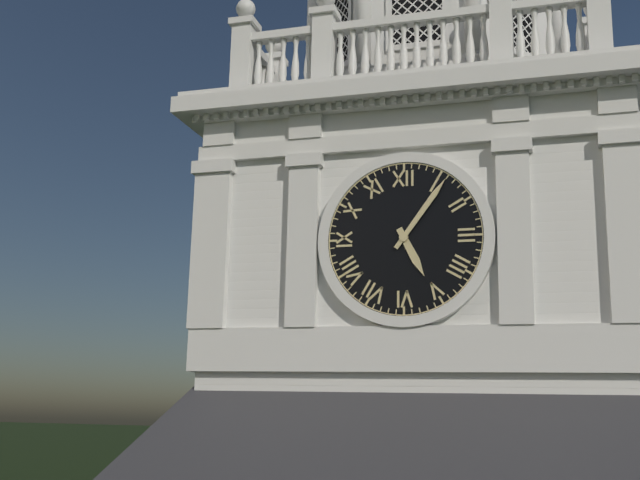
5:06
